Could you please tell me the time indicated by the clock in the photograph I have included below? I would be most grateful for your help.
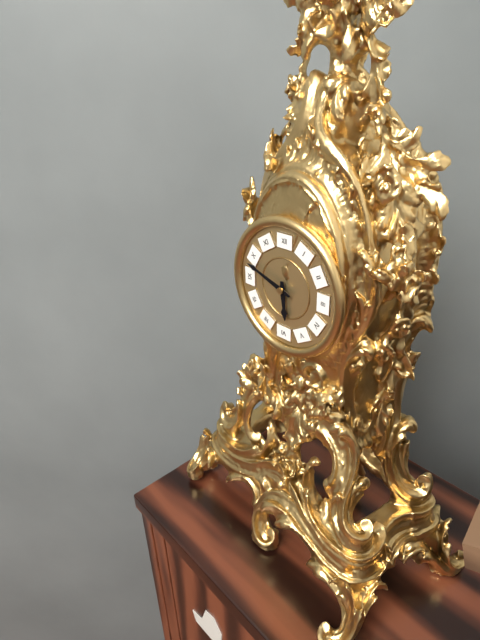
5:48
